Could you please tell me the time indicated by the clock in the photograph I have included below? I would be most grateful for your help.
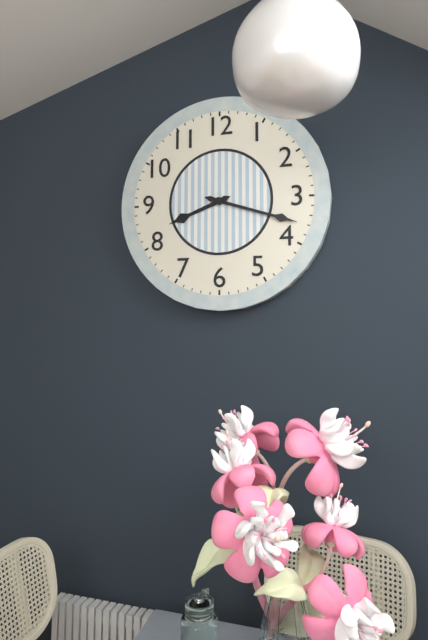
8:18
